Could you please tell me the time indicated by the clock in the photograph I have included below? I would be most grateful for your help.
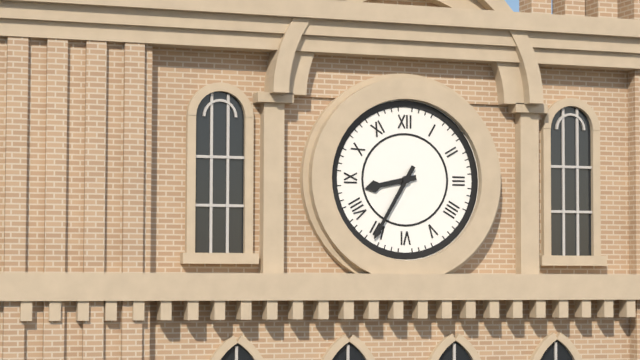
8:35
